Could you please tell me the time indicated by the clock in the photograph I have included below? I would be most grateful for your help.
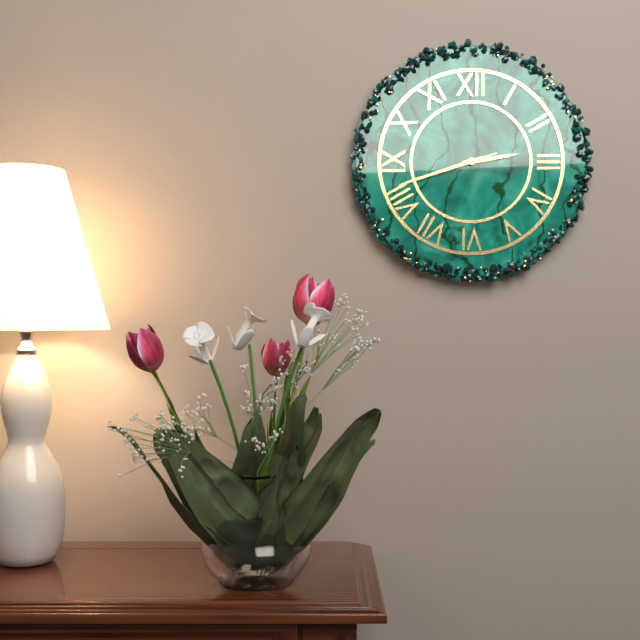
2:42:42
